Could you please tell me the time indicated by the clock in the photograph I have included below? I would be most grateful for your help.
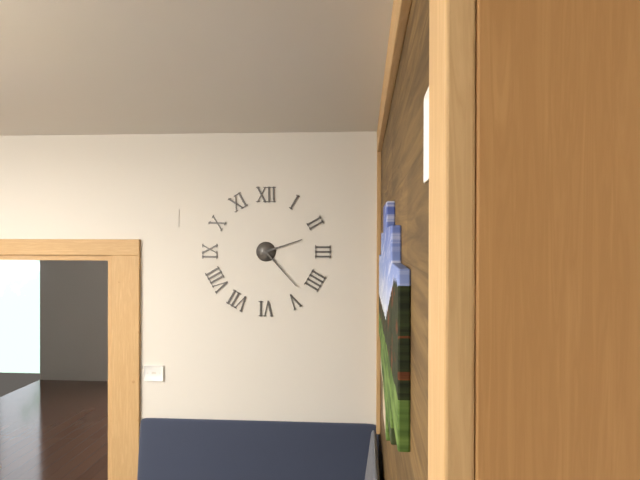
2:23
